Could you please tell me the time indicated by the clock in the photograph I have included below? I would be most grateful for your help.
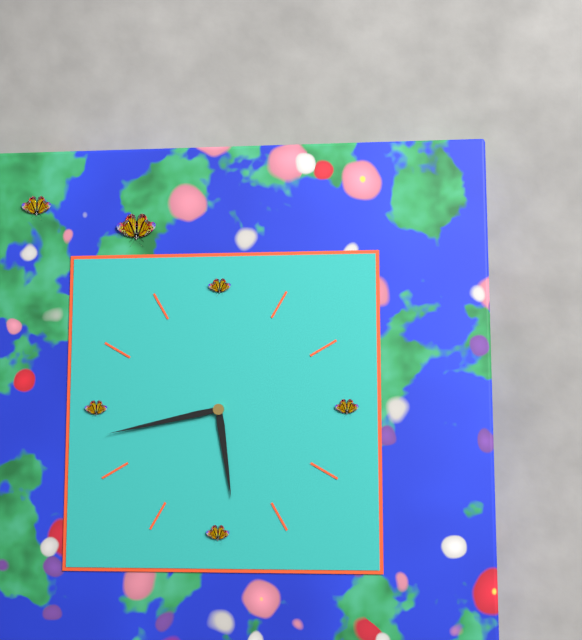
5:43
